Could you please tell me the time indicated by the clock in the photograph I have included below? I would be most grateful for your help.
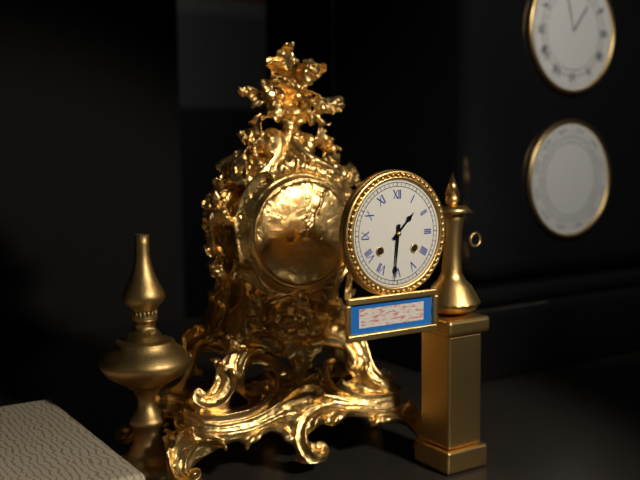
1:31
